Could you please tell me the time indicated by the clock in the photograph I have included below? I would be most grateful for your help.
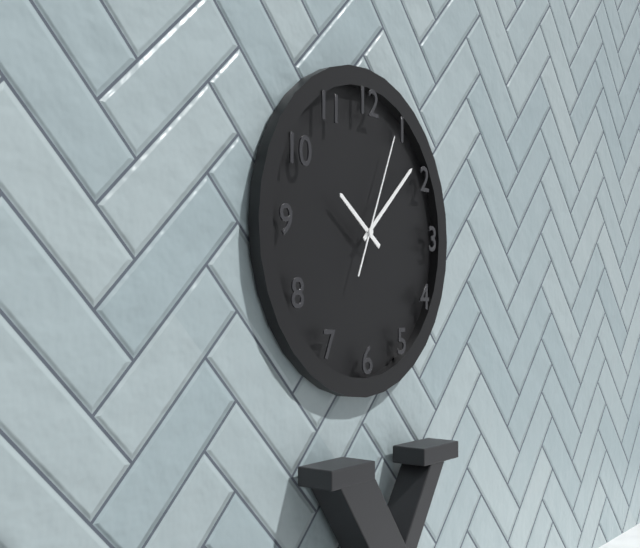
10:08:04
